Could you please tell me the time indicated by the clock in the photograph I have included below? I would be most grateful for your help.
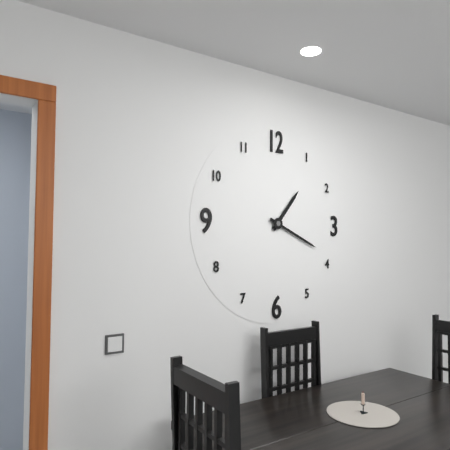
1:19
